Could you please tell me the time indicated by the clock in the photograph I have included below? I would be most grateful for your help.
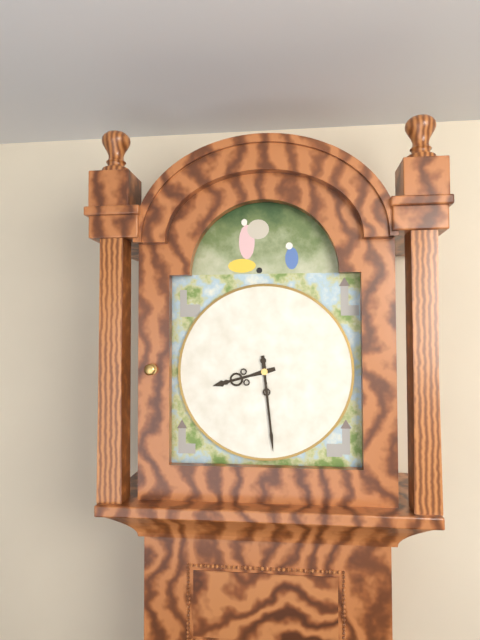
8:29
